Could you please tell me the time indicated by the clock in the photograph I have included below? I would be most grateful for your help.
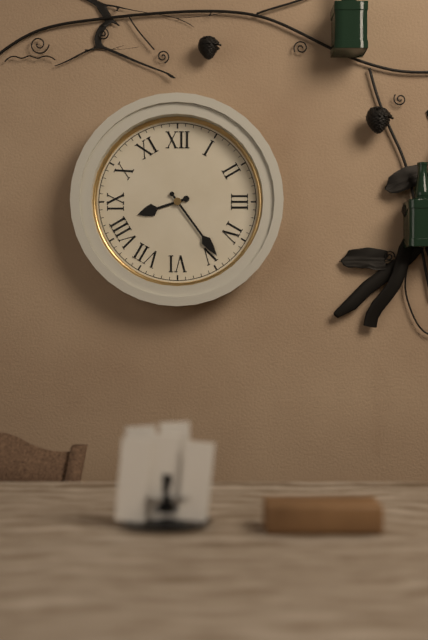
8:24
